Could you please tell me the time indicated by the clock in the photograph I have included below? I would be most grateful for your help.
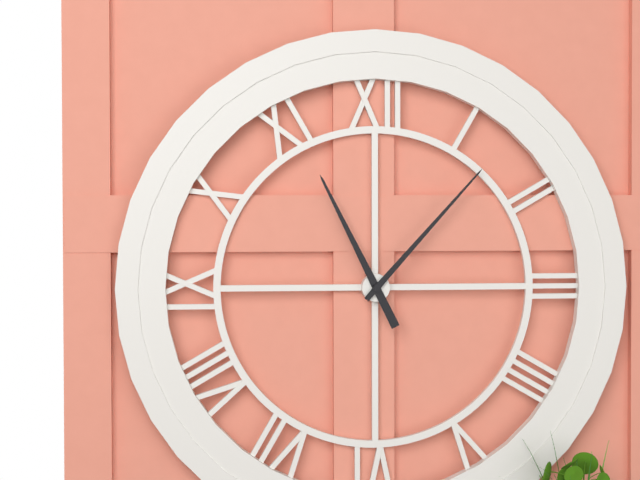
11:07
